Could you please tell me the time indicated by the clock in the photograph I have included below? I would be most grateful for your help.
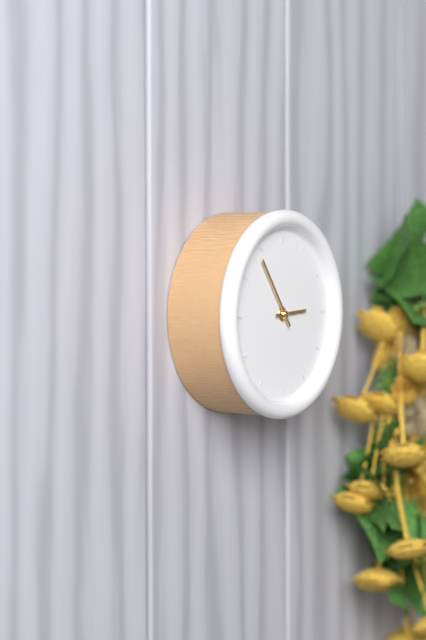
2:54
